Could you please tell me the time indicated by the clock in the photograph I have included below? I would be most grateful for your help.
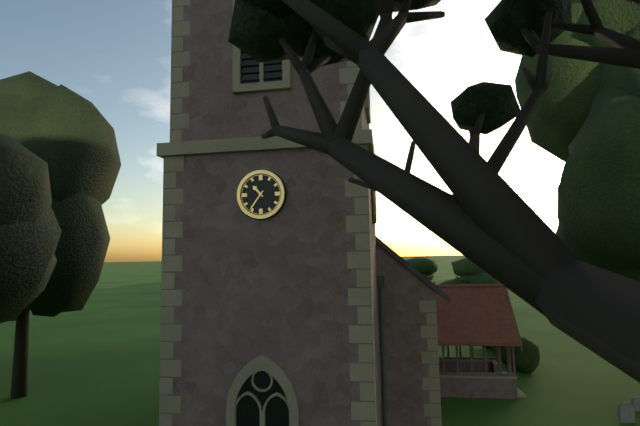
10:36
